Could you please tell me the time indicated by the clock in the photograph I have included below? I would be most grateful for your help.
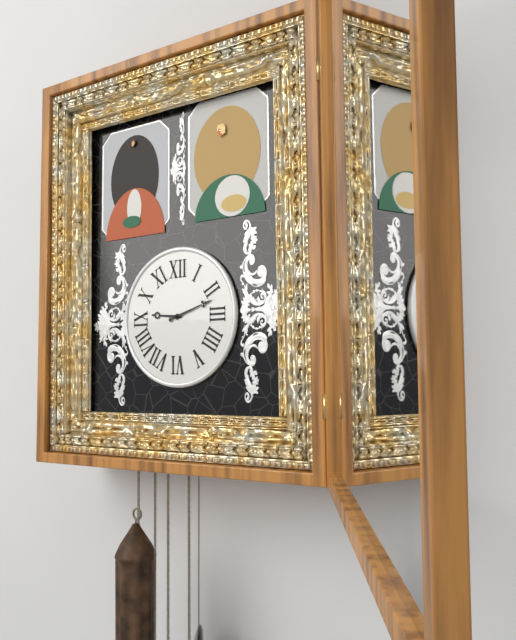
9:12
